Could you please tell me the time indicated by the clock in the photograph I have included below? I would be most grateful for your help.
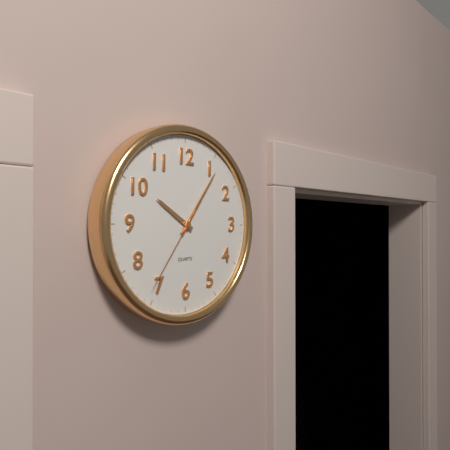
10:06:36
